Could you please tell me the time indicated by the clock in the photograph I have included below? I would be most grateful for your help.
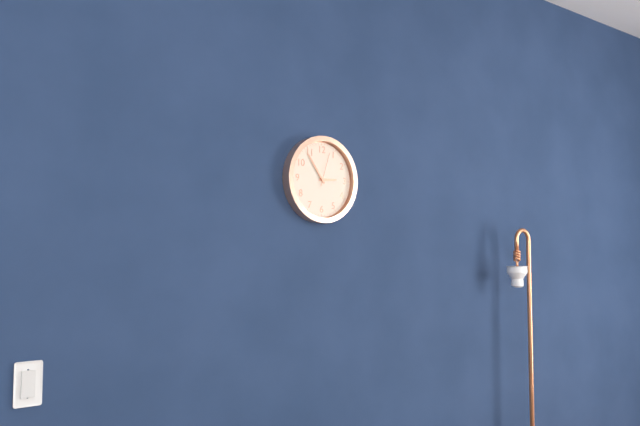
2:54
